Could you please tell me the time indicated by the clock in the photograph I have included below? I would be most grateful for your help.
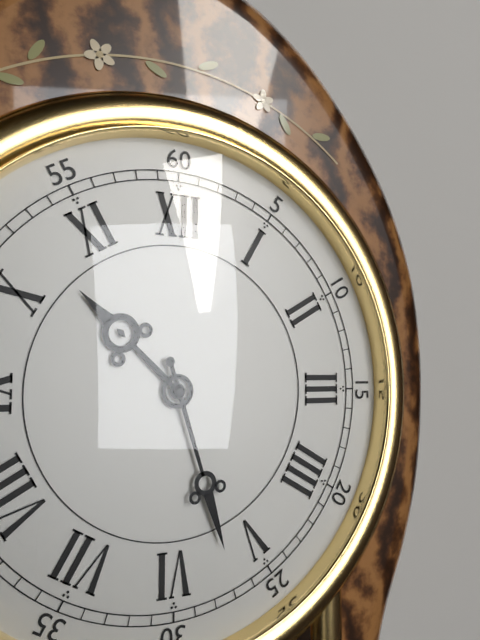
10:27
